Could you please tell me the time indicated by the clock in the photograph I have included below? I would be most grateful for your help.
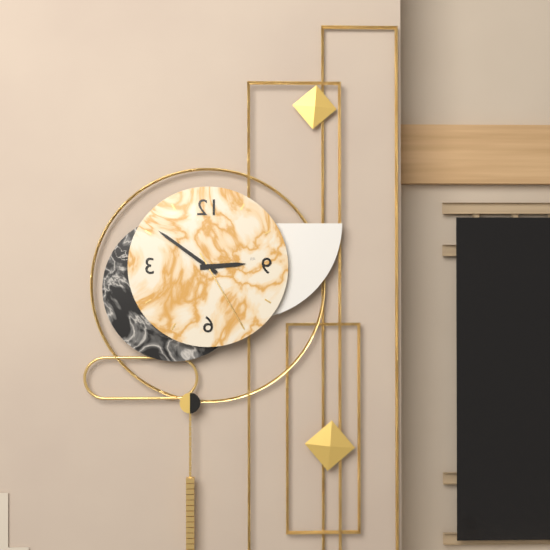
2:51:25
